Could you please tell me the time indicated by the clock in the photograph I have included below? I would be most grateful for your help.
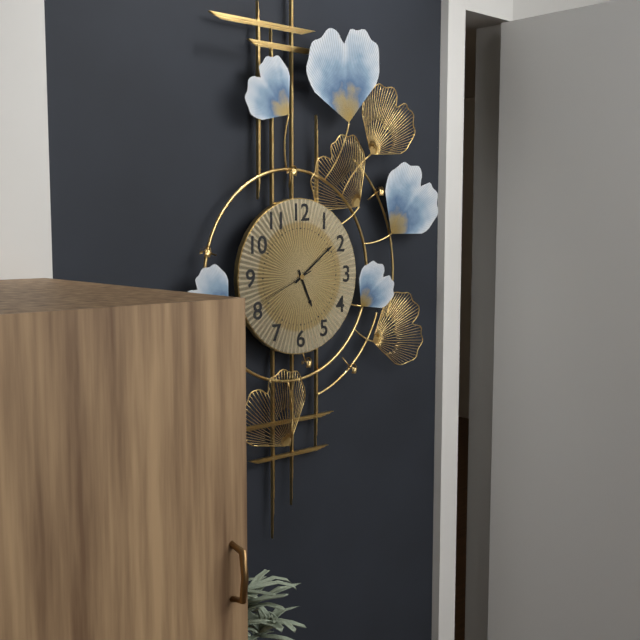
5:09:41
